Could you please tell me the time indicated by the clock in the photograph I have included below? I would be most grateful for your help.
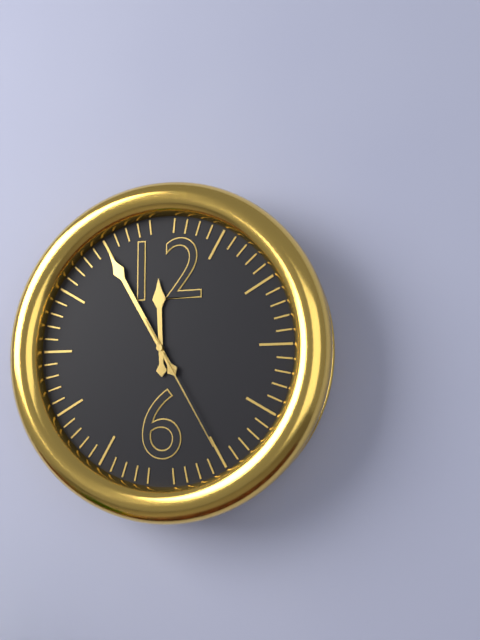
11:55:25
